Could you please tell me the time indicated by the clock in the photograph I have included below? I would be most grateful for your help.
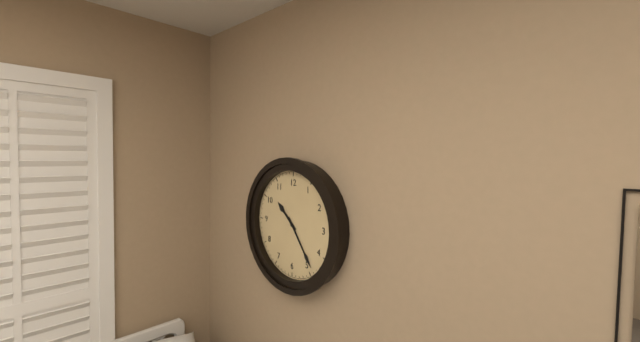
10:24
